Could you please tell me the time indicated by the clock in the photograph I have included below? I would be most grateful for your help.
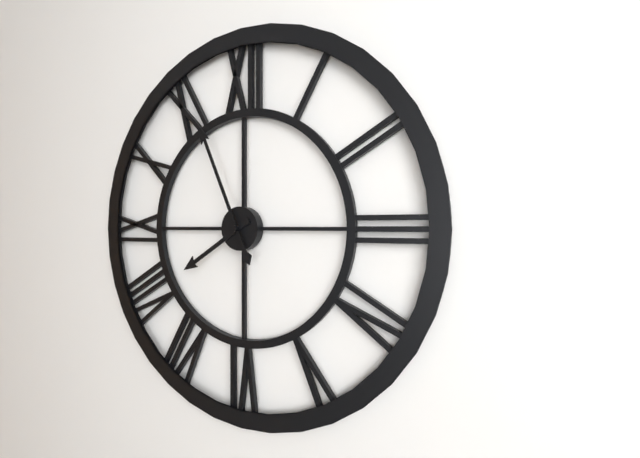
7:56
